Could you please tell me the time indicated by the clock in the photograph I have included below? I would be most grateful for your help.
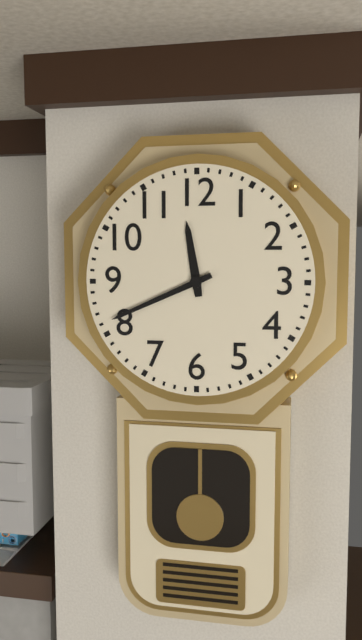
11:41
